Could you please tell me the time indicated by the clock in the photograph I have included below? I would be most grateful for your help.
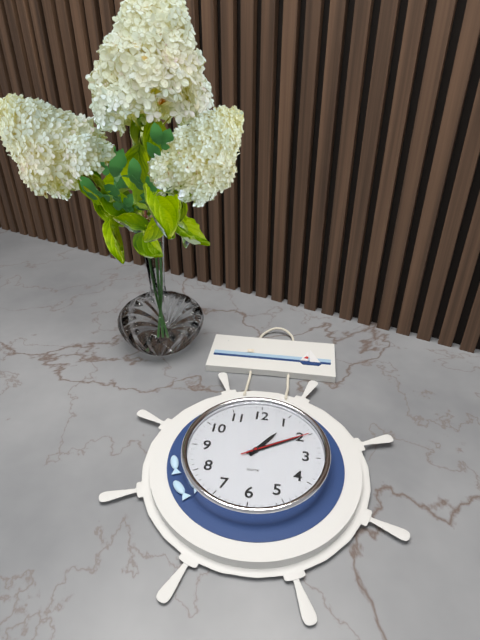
1:10:10
